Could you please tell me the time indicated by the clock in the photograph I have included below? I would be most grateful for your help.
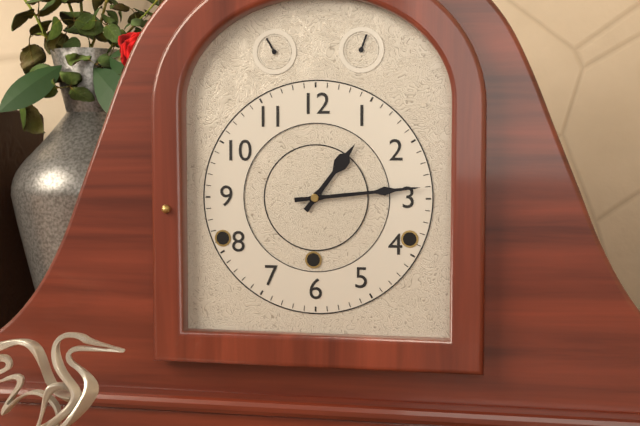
1:14
